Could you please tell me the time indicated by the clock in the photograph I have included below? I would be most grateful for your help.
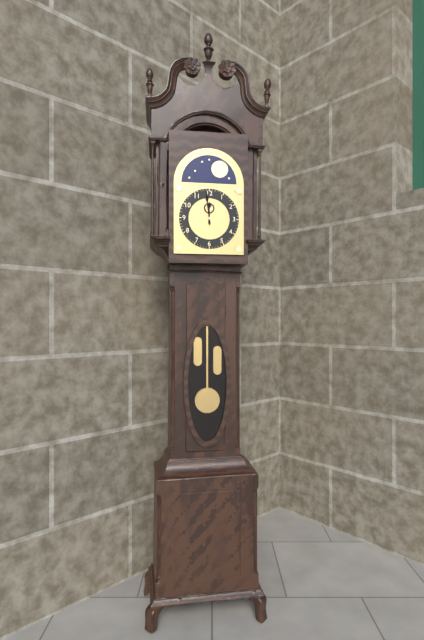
11:59
